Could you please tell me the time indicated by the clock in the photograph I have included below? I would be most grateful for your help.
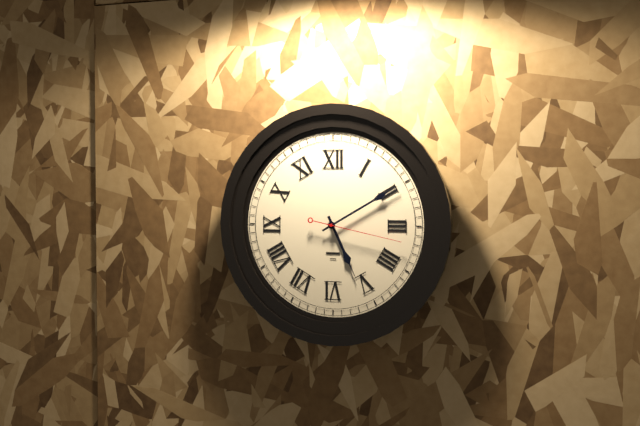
5:10:17
